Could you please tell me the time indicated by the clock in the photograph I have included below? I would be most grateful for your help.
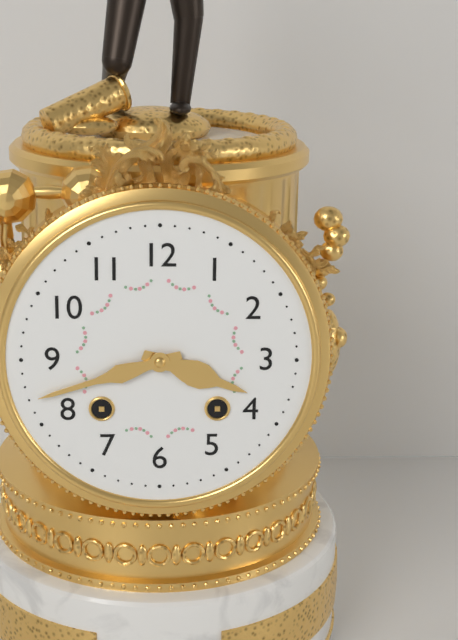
3:42
